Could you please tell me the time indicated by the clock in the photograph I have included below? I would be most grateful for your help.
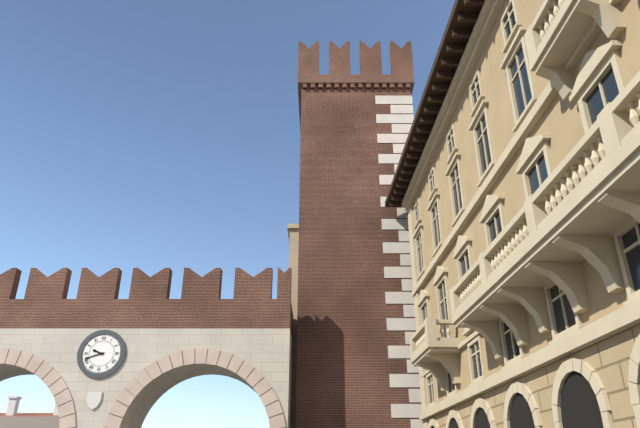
9:42
